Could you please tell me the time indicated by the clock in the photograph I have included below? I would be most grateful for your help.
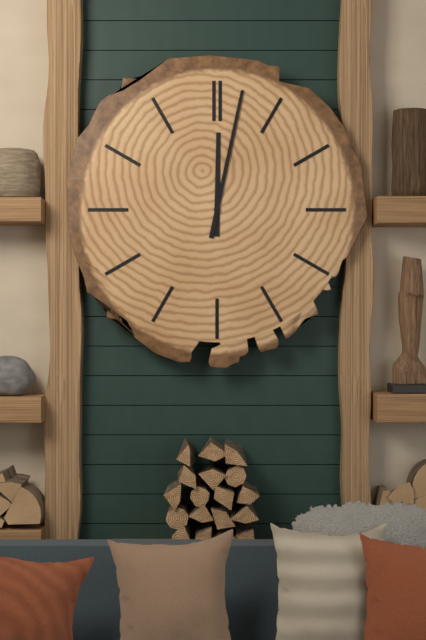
12:02
